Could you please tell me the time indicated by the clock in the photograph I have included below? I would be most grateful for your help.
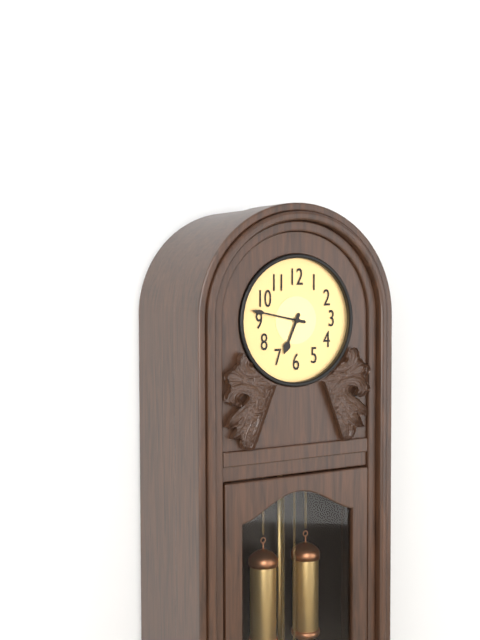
6:47
